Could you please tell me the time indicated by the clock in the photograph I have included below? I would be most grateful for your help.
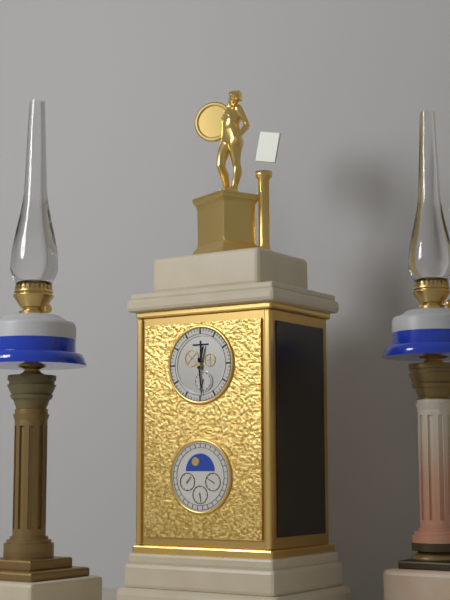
12:29
